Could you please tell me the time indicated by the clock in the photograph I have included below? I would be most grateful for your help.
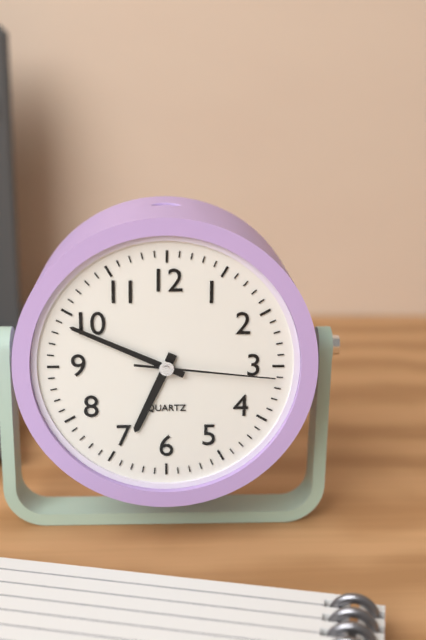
6:49:16
